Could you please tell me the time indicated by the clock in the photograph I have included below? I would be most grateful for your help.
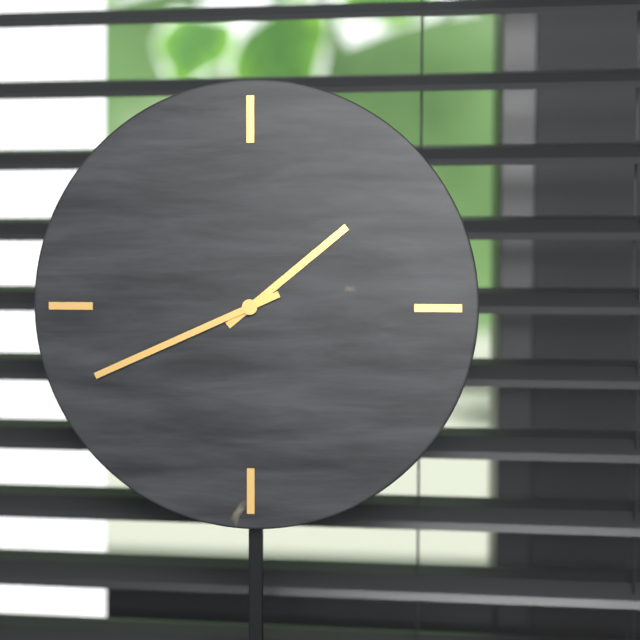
1:41
